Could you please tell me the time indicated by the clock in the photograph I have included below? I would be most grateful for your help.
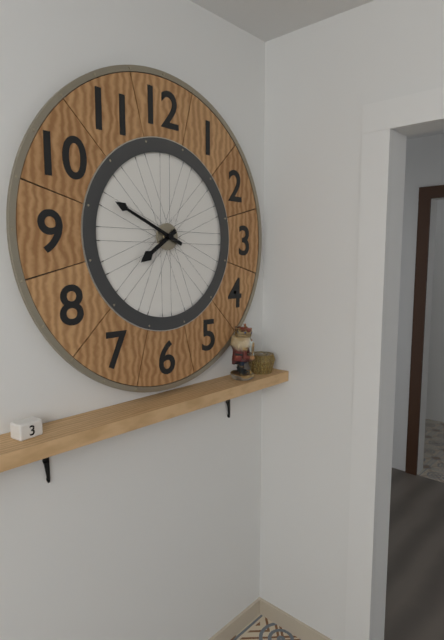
7:49
